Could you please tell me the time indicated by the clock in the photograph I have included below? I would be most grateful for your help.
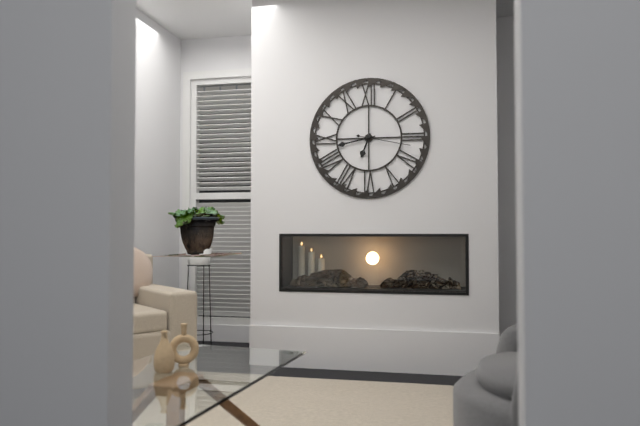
6:43:17
